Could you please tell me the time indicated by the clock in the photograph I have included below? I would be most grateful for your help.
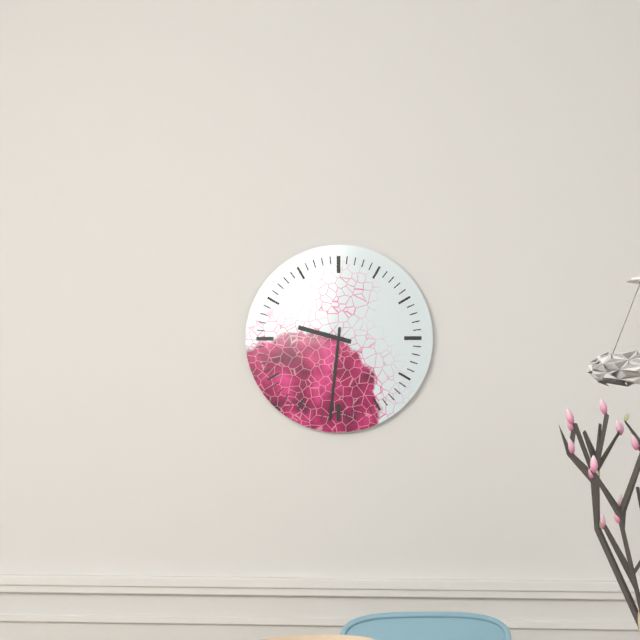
9:31
